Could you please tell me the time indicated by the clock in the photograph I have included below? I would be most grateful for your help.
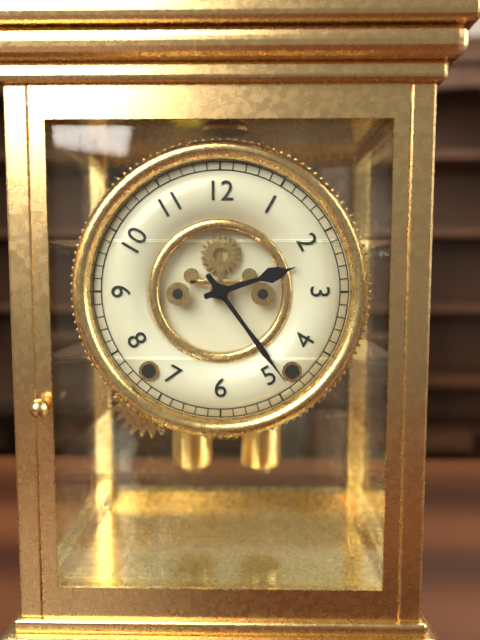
2:24
